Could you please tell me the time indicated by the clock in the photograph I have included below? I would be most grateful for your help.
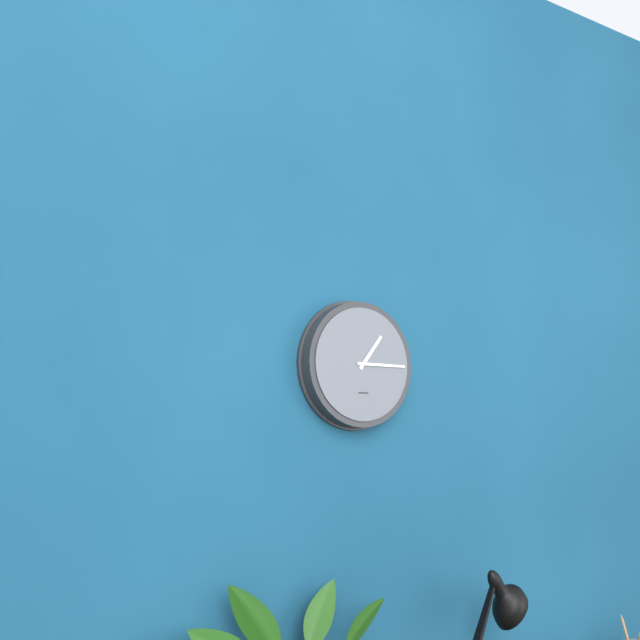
1:15
